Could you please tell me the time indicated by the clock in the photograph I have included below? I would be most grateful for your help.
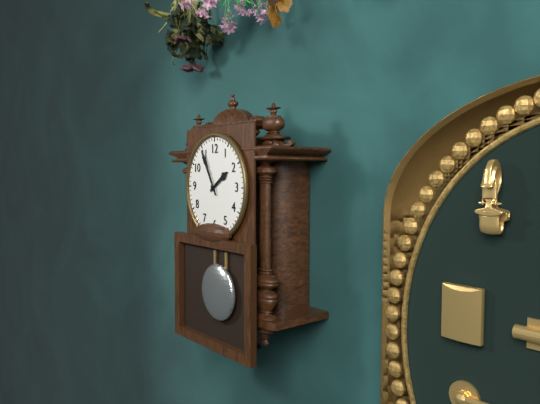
1:55
